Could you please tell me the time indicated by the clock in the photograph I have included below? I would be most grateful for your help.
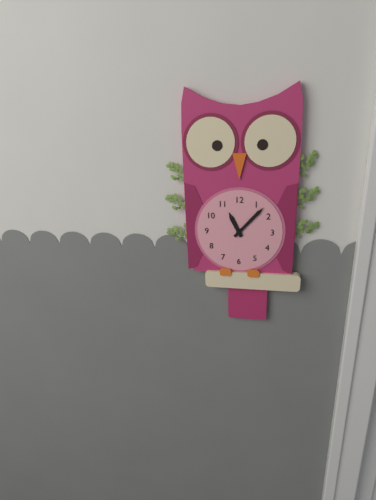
11:07
